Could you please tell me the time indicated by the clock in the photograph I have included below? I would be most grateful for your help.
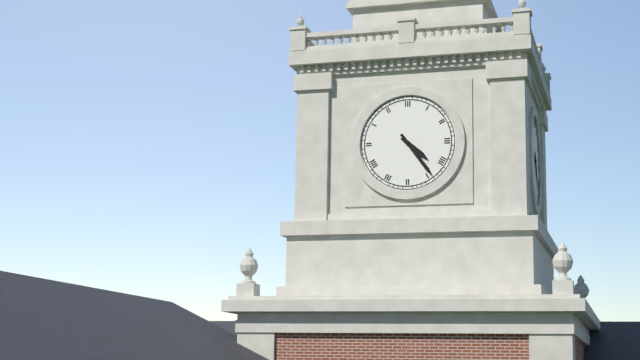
4:24
